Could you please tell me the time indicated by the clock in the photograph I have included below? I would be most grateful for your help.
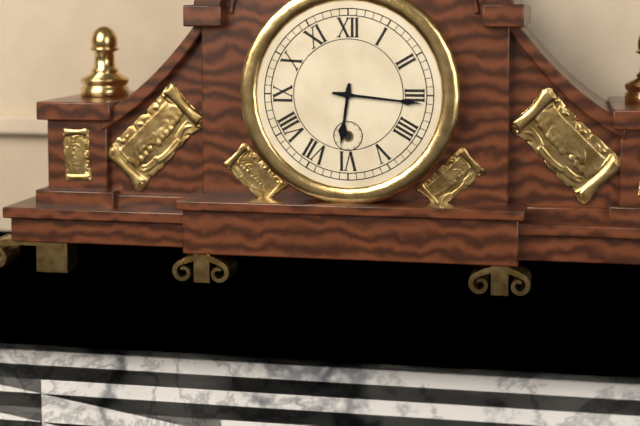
6:16
